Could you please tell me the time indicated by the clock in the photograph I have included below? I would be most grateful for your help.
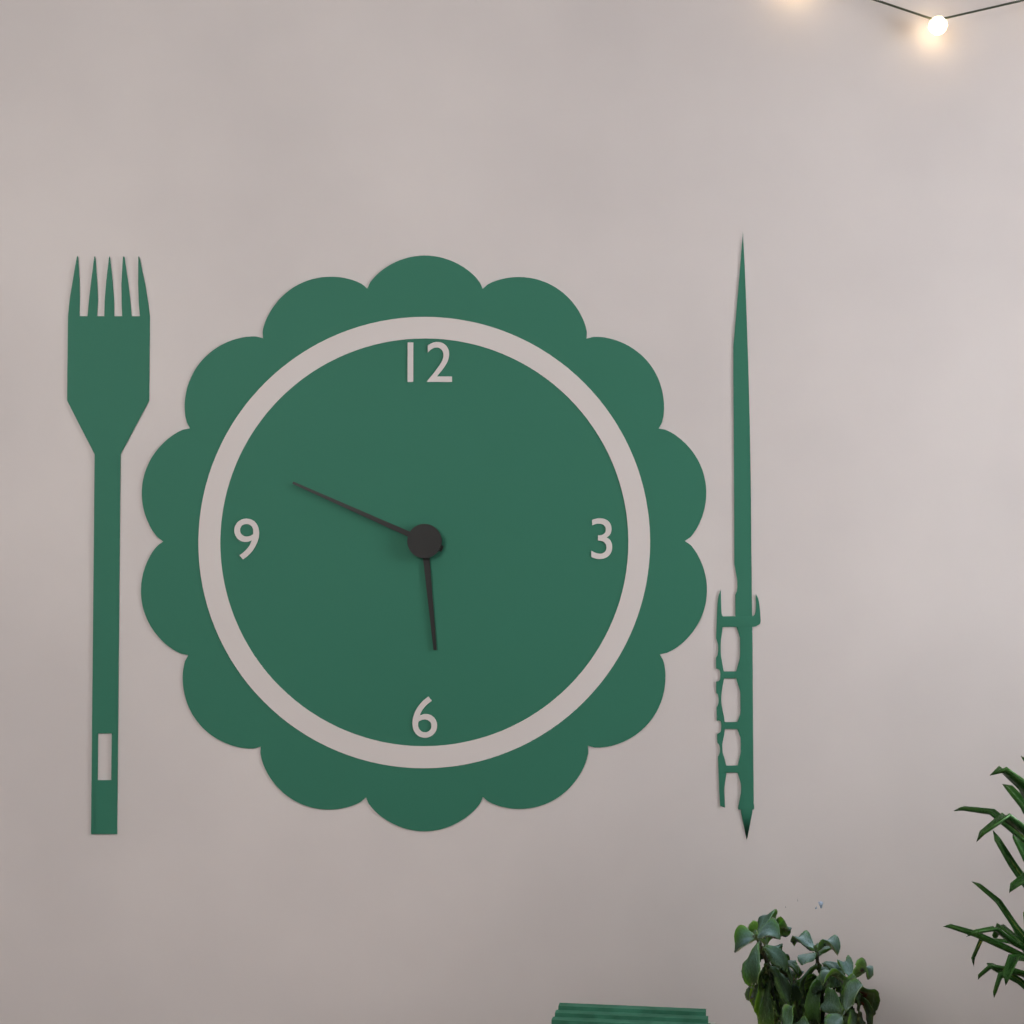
5:49
